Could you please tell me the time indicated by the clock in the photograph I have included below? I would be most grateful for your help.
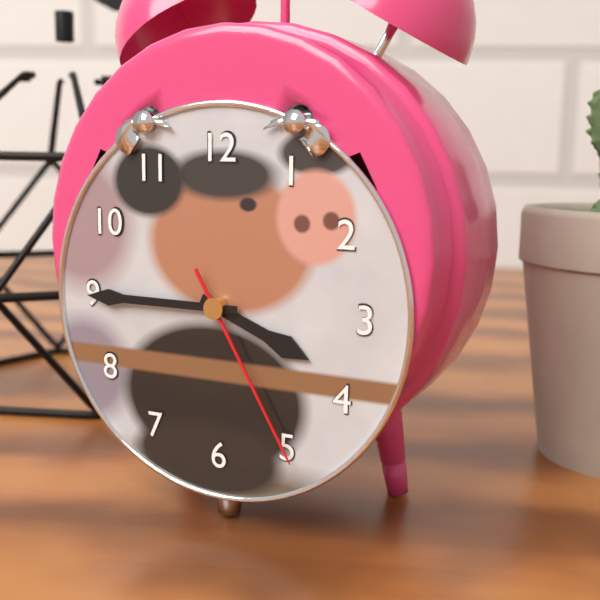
3:45:25
